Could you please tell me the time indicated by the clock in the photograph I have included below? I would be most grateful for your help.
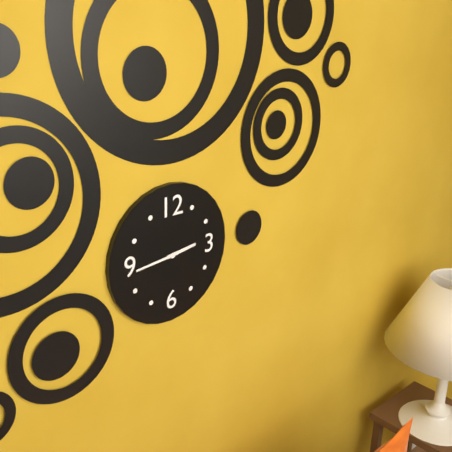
2:44
